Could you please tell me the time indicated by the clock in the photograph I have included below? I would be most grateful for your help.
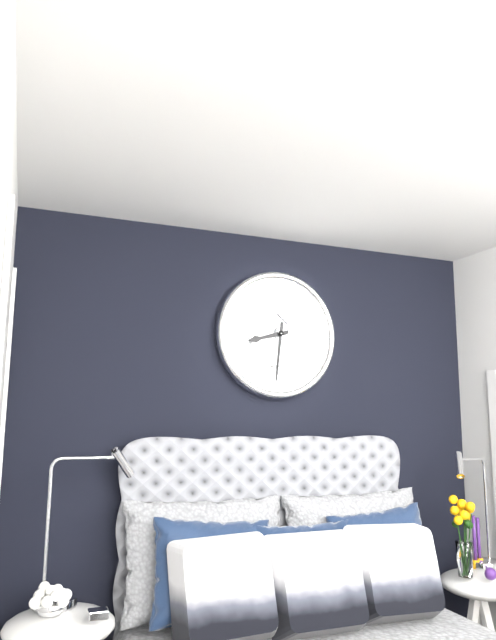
8:31
